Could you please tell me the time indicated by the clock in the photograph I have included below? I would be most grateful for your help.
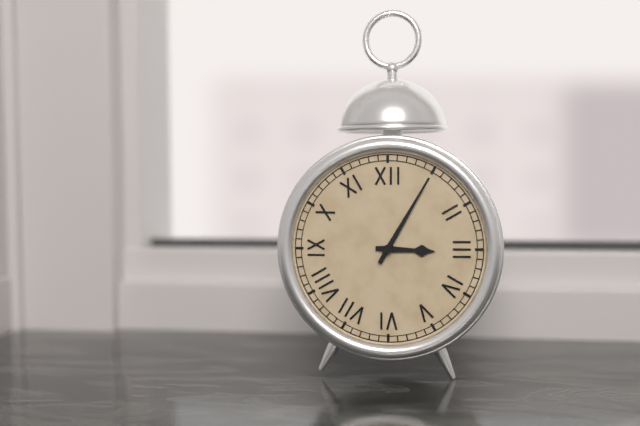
3:05
